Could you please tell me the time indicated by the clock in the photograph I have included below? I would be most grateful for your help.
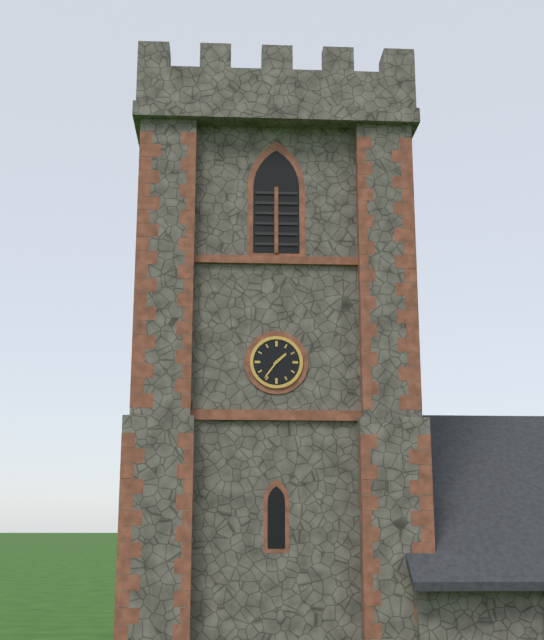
1:36
